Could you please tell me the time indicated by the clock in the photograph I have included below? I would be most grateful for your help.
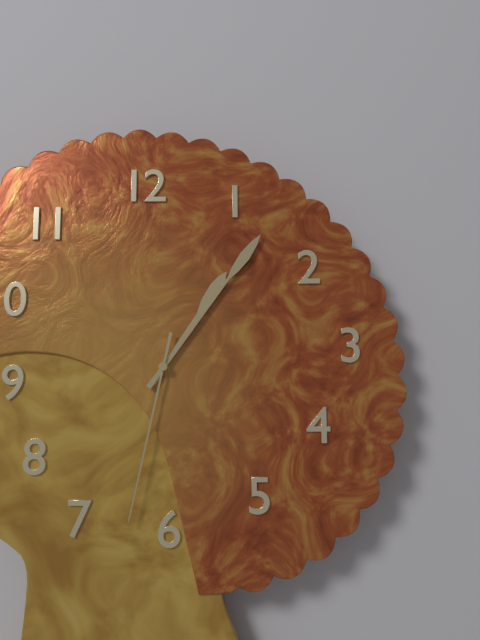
1:06:32
